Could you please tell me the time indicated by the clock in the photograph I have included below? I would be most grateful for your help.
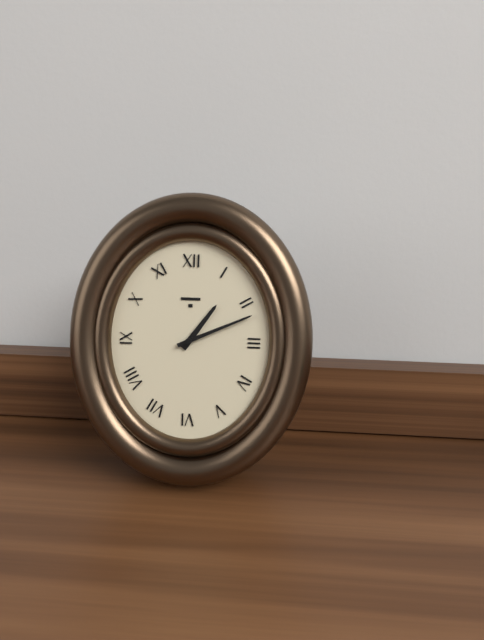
1:11
